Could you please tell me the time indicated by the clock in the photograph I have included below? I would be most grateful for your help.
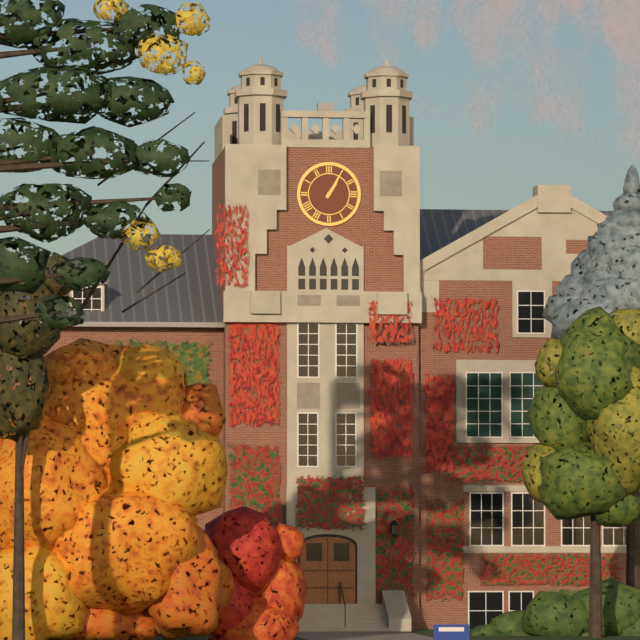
1:05
